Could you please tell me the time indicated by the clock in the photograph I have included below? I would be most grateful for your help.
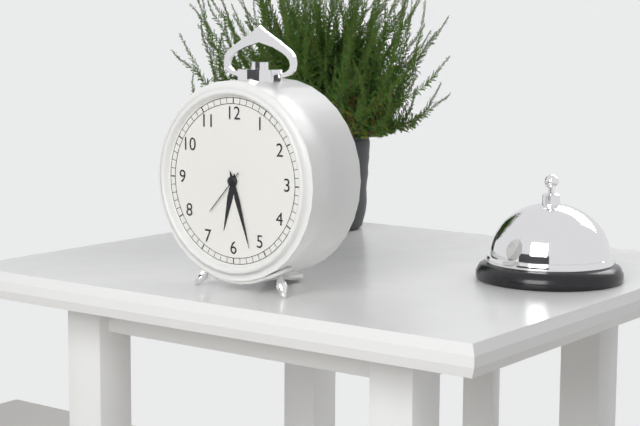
6:27
